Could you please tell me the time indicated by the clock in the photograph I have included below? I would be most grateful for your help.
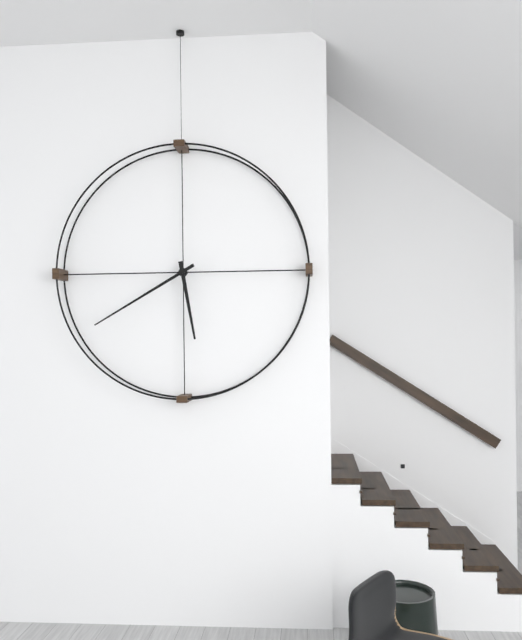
5:40
